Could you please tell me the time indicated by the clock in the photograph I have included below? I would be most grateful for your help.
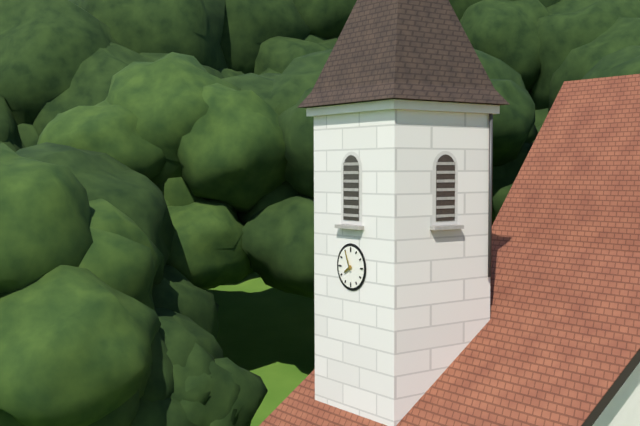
7:56
